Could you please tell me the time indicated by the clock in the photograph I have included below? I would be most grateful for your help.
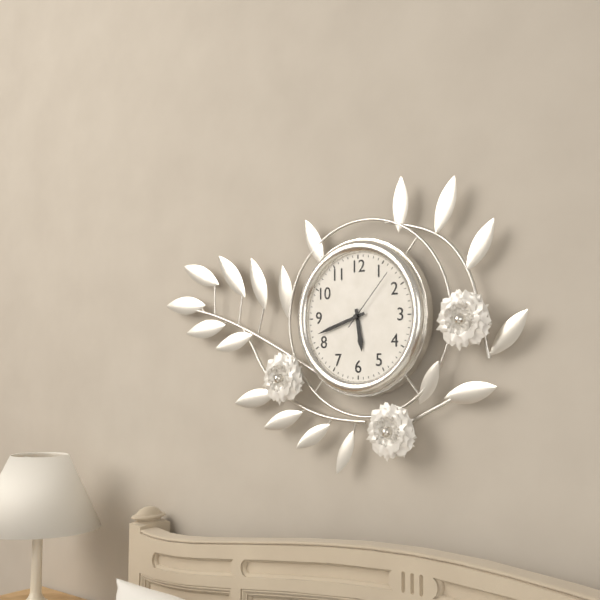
5:42:07
